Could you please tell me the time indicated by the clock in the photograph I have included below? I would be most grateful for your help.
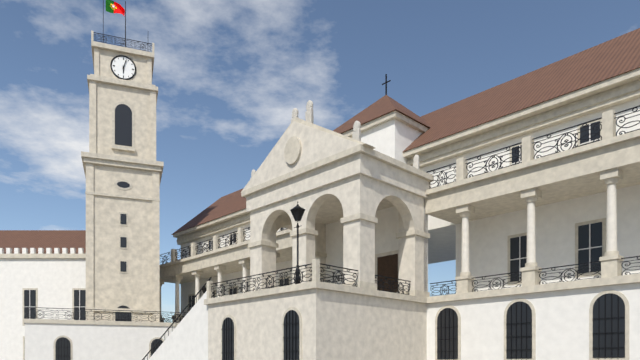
6:03
